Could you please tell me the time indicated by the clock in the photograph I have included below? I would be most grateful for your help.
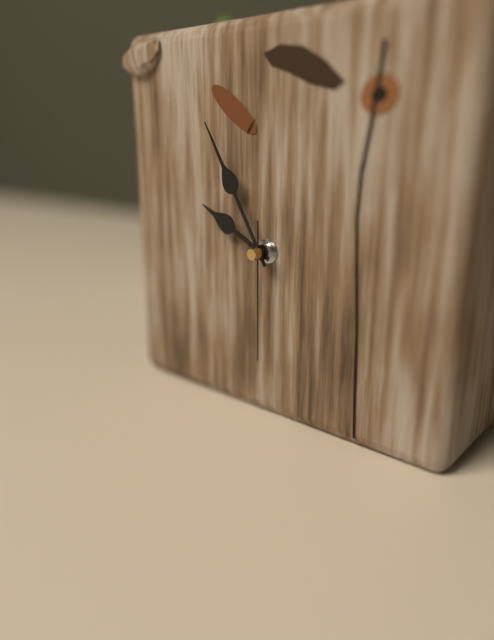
9:55:30
